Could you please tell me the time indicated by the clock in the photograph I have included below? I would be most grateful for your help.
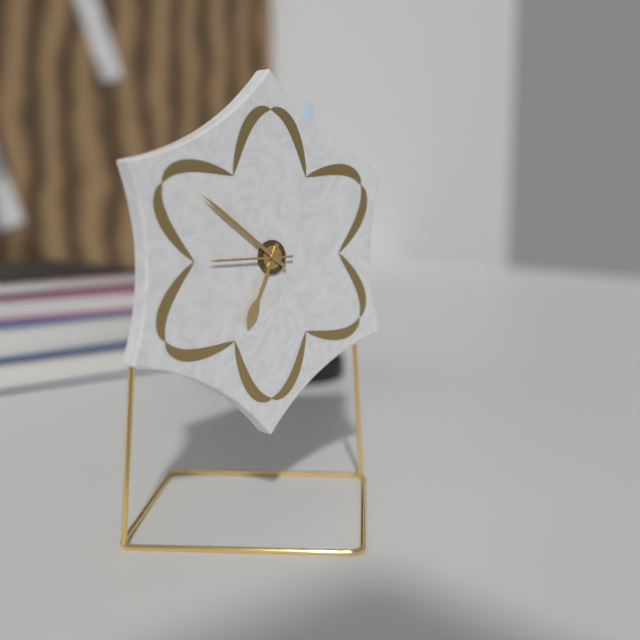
6:51:45
